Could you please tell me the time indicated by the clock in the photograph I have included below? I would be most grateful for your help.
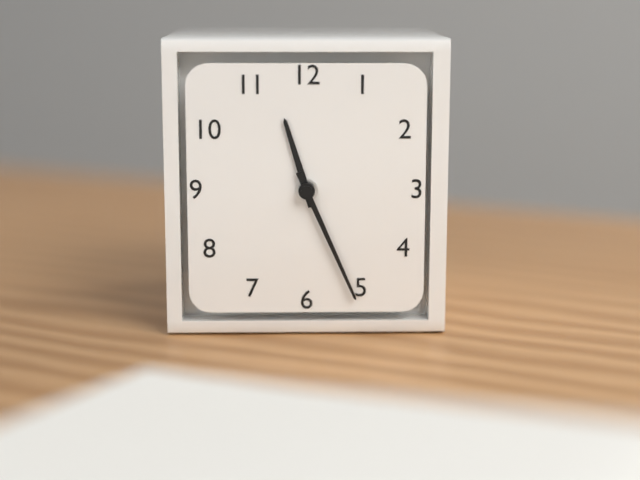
11:26
